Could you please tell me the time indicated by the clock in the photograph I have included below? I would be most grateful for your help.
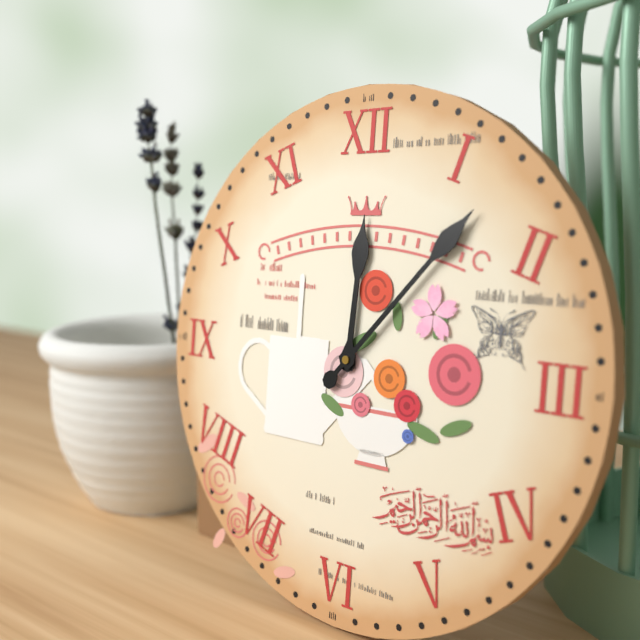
12:07
